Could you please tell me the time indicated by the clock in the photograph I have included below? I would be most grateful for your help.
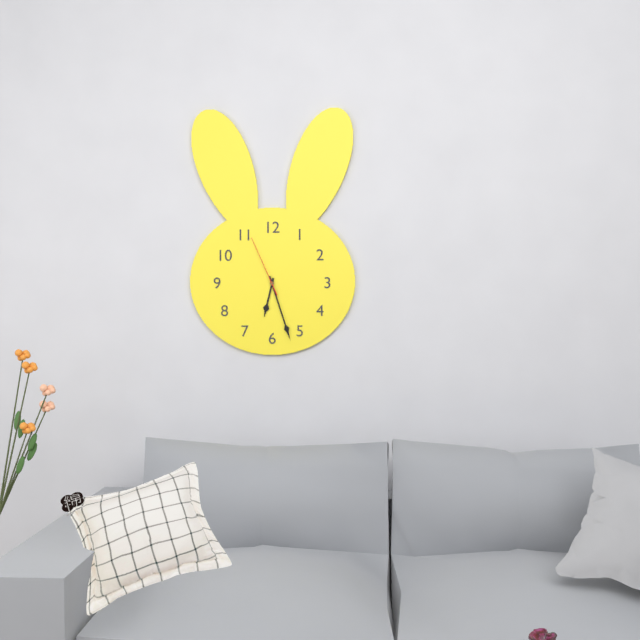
6:27:56
